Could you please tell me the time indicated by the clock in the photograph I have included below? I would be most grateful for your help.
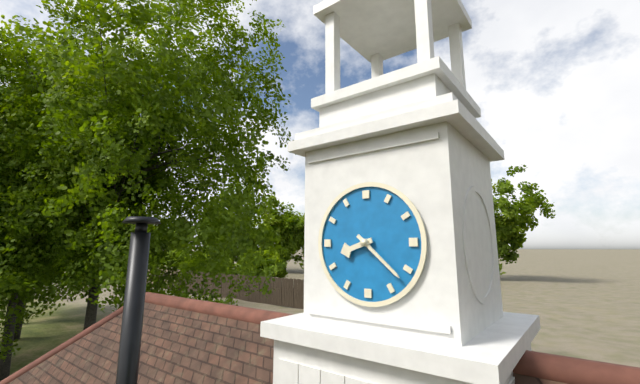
8:22
